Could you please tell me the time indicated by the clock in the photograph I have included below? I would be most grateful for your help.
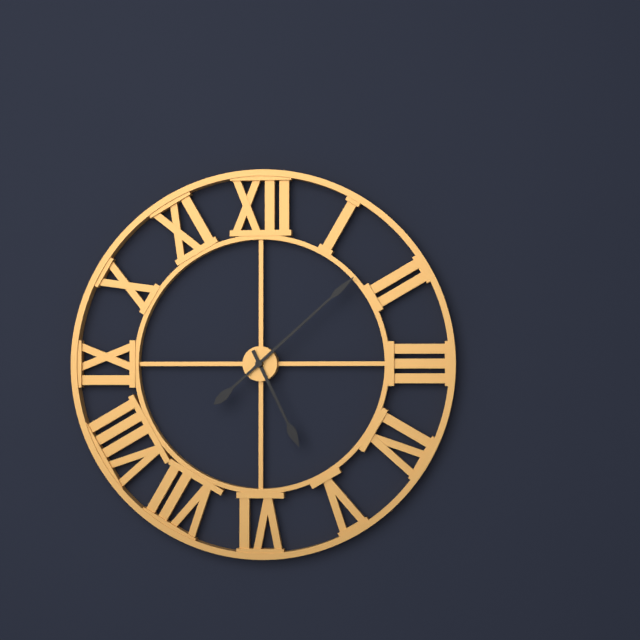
5:08
